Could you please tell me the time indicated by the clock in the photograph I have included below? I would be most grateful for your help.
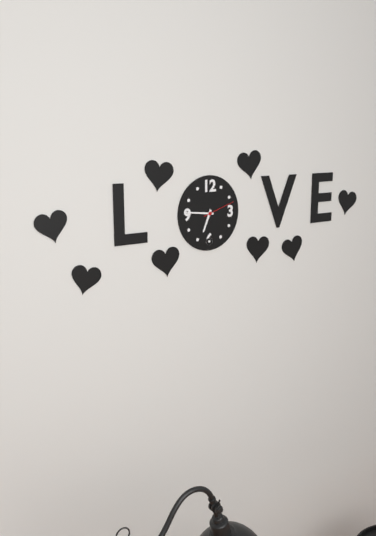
6:46
